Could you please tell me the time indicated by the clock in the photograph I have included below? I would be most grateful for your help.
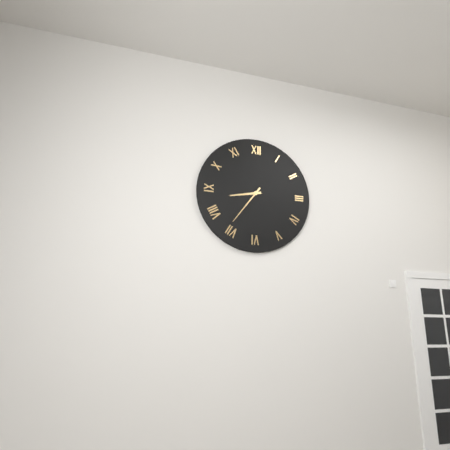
8:36
